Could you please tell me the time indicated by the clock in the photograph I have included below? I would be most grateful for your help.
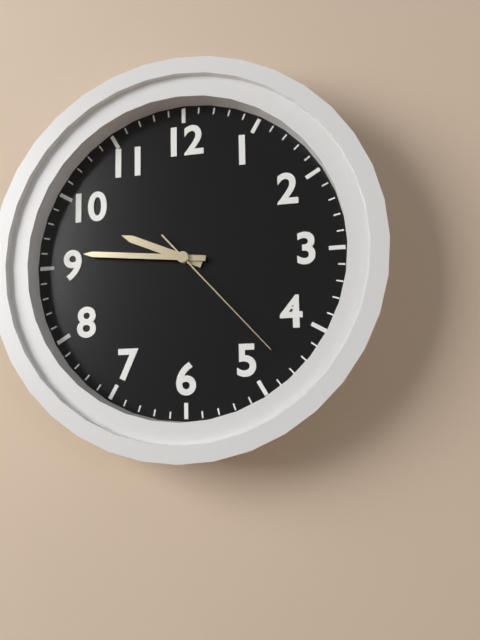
9:46:23
